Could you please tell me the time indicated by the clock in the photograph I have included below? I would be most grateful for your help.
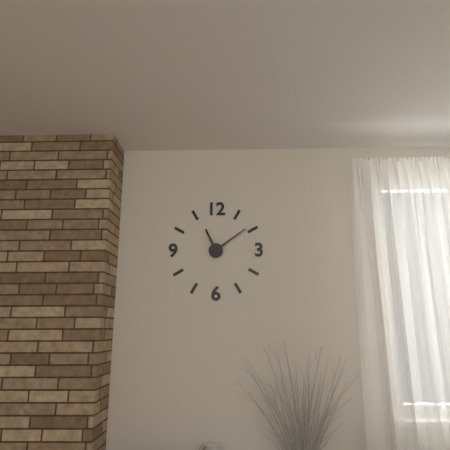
11:09
